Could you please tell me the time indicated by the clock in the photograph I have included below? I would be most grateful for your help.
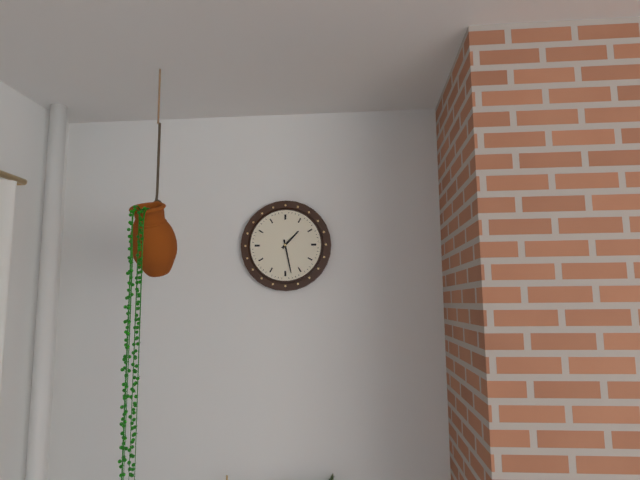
1:28
